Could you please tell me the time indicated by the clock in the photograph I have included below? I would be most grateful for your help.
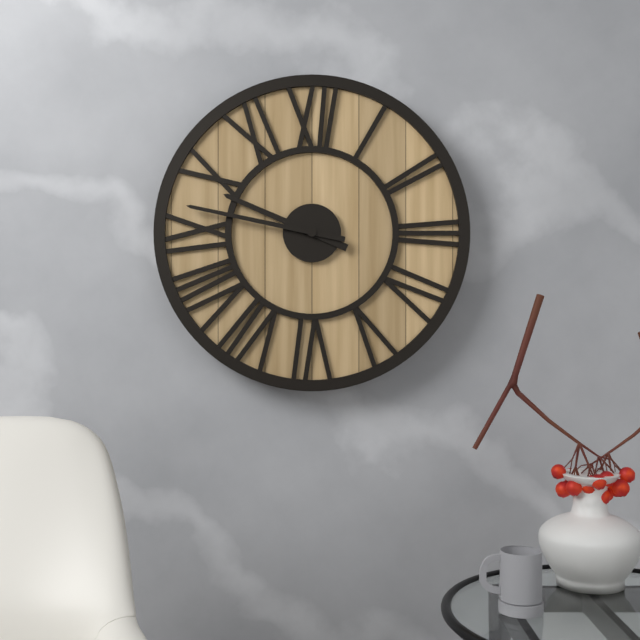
9:47
